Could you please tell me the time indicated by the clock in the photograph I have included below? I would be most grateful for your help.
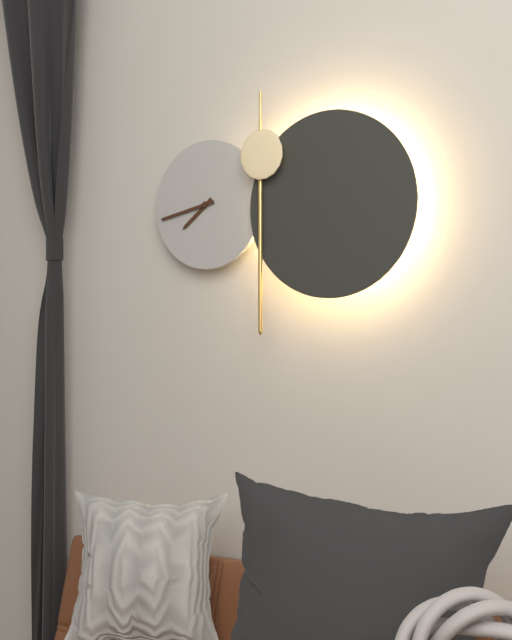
7:43
